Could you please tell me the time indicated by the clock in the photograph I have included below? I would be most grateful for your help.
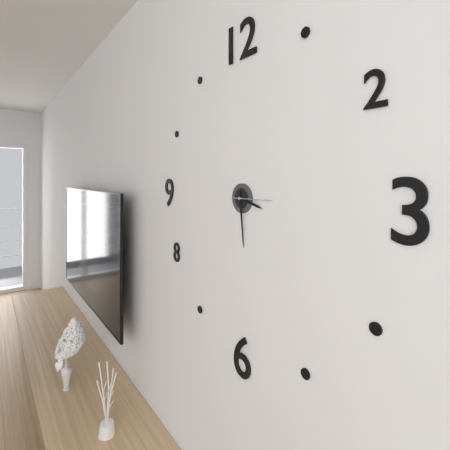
3:29
